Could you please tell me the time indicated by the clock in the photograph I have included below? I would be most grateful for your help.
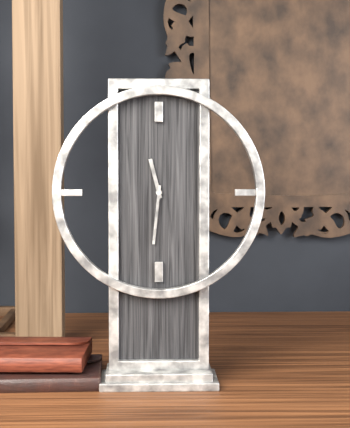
11:31
